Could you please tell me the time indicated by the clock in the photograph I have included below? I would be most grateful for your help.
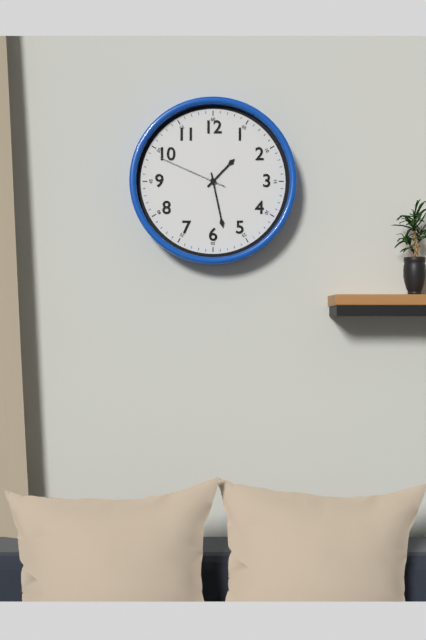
1:28:49
